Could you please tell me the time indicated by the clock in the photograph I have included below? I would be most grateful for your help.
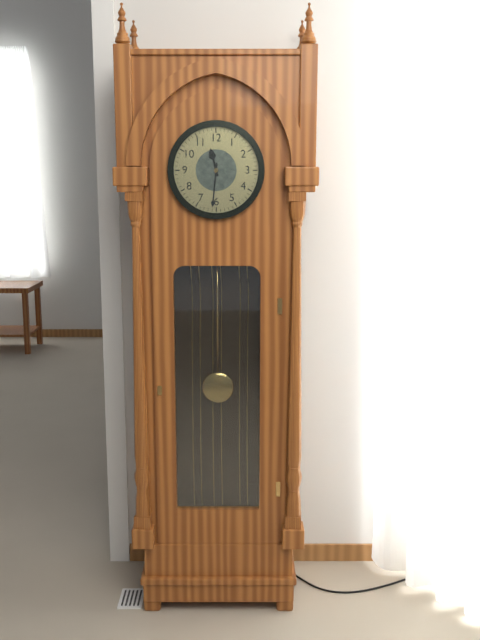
11:31
